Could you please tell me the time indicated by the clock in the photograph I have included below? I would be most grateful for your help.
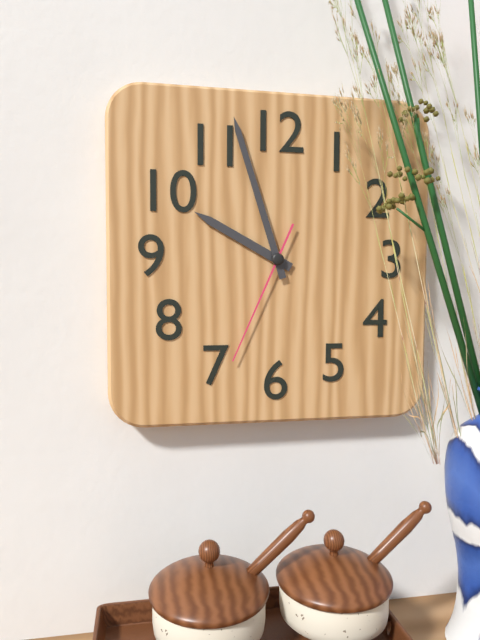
9:57:34
